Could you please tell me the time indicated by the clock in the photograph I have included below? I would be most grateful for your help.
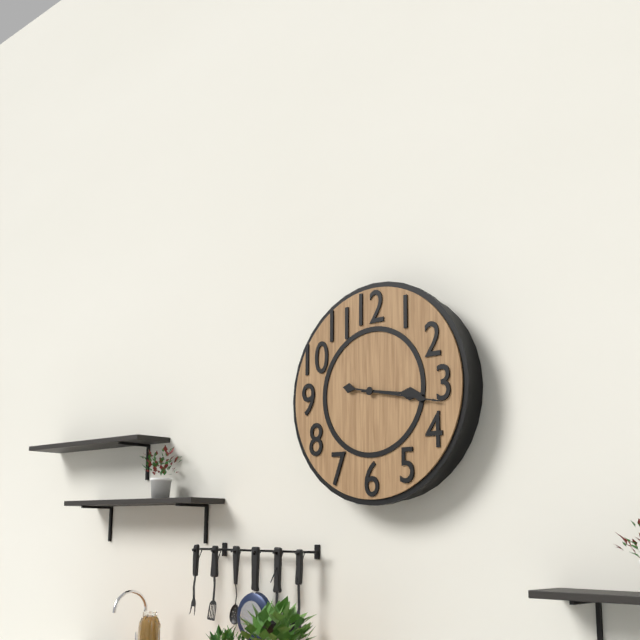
3:17
